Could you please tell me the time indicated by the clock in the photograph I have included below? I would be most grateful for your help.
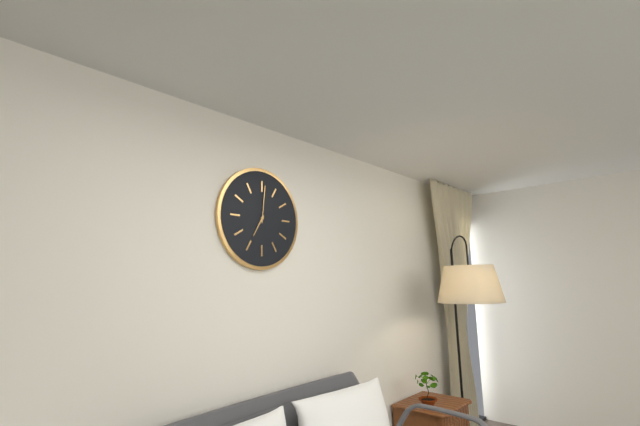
7:01
